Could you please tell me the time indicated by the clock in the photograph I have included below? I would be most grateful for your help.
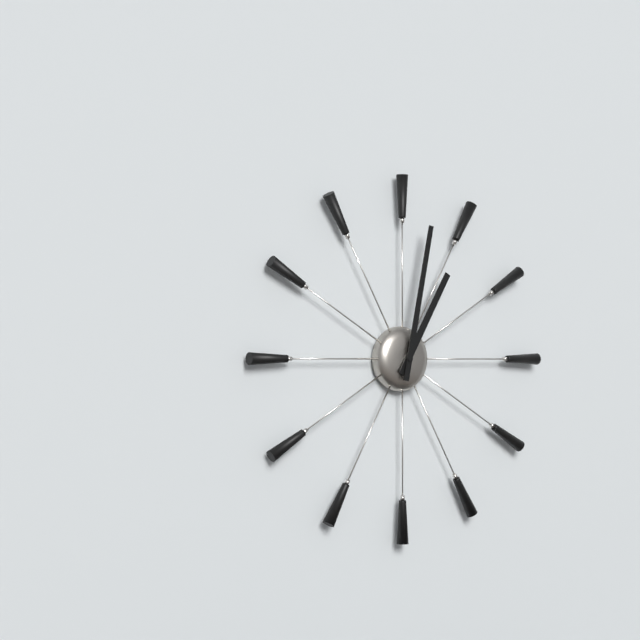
1:02
